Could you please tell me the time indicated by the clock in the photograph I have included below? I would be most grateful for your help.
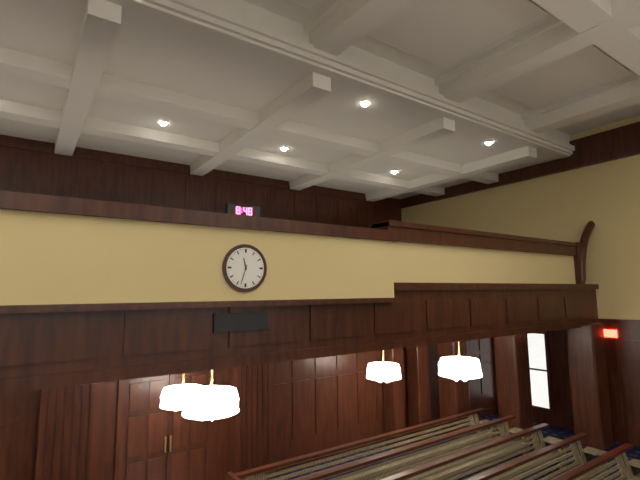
11:33
